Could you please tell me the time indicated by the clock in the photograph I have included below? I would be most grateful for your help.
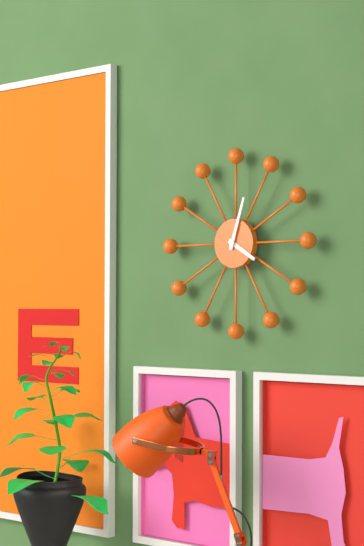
4:03
